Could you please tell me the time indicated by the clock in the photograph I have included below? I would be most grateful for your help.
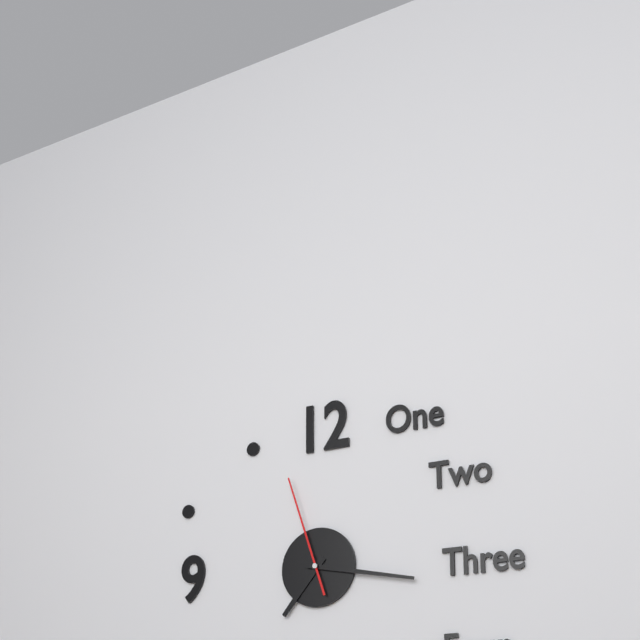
7:17:57
